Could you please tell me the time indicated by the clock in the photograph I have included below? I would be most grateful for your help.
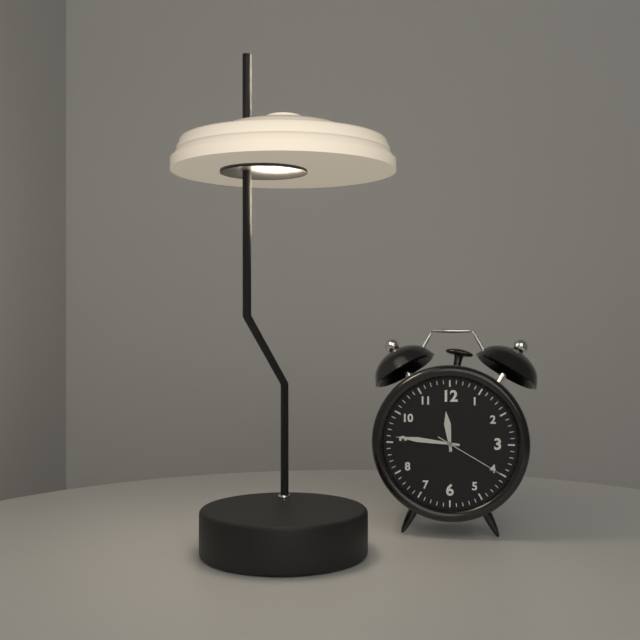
11:46:20
